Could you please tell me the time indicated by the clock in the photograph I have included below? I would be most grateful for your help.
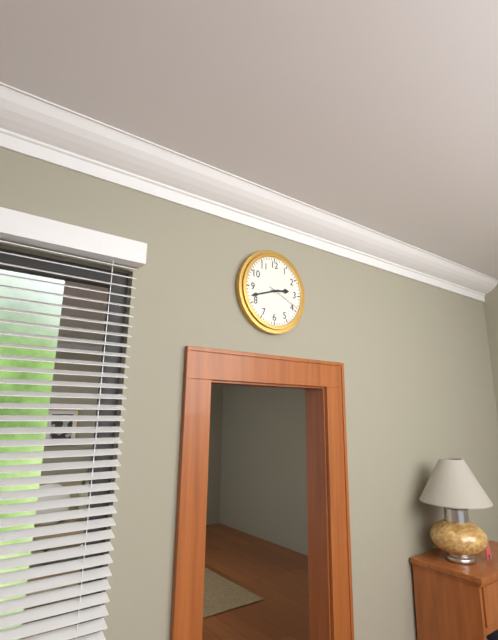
2:42
